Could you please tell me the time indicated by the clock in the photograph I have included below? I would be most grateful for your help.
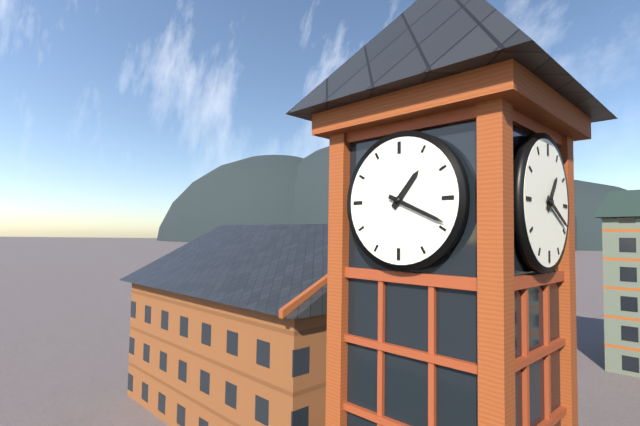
1:19
